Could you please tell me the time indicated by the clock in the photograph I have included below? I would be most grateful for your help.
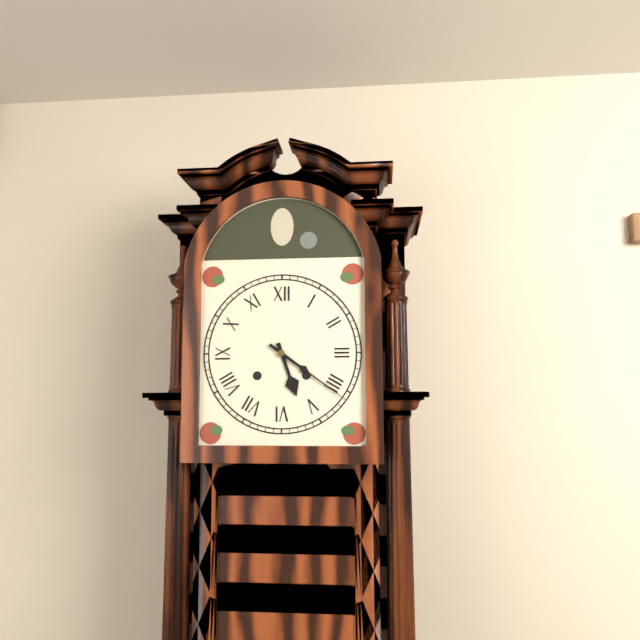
5:21
